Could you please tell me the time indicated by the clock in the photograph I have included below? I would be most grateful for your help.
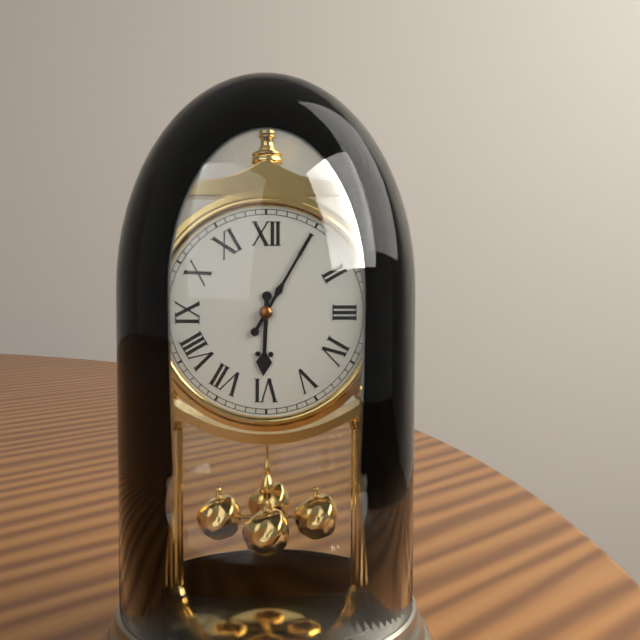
6:05
